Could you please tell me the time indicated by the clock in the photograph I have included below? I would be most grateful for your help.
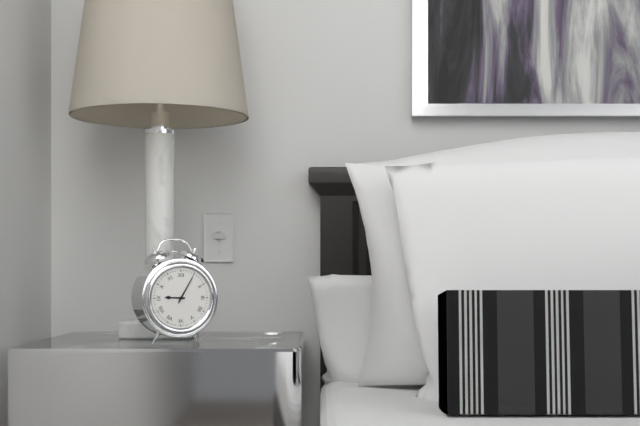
9:05
